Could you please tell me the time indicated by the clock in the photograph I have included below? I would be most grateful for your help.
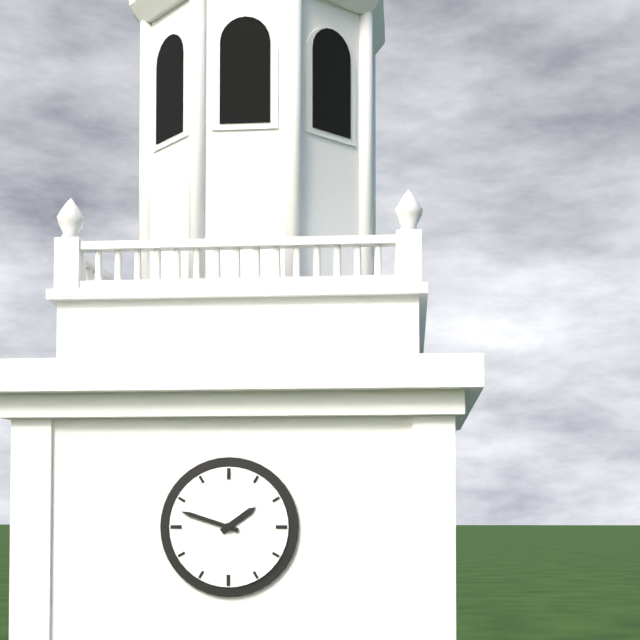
1:48
